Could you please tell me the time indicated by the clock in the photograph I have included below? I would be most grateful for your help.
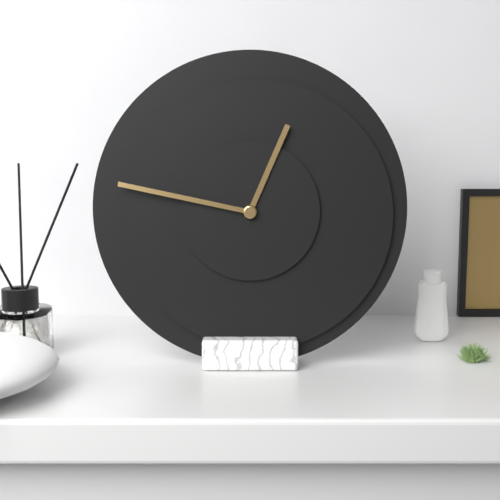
12:47
